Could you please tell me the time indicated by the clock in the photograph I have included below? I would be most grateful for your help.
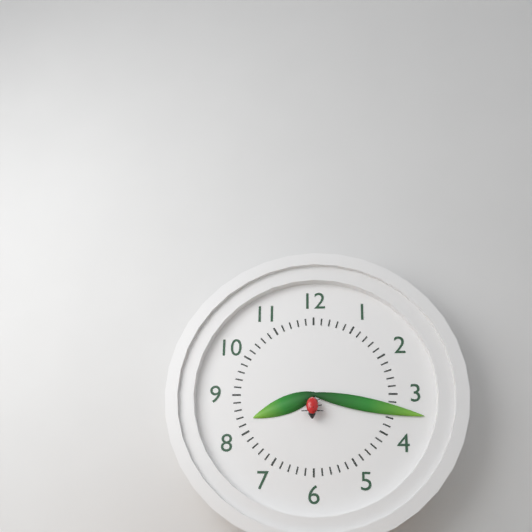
8:17
